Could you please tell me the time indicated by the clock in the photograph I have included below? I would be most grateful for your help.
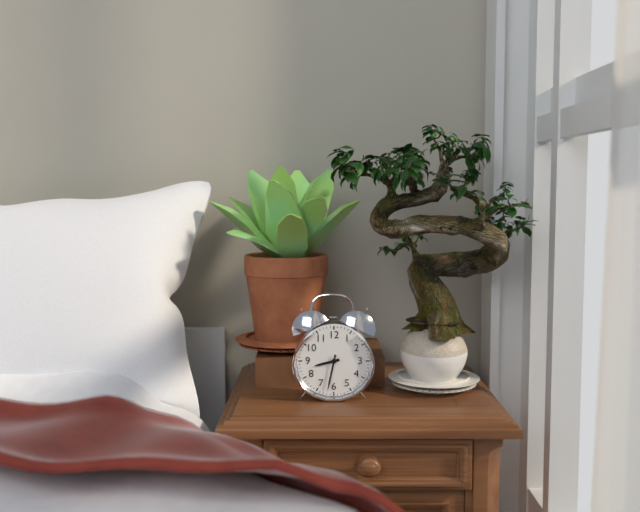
8:32
